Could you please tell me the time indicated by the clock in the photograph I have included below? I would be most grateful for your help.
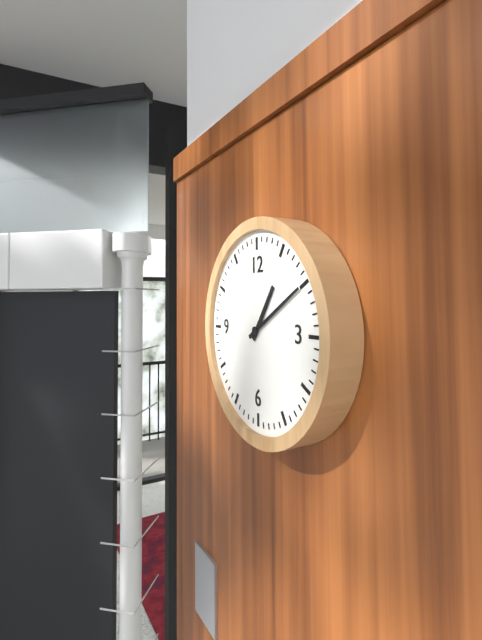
1:10
